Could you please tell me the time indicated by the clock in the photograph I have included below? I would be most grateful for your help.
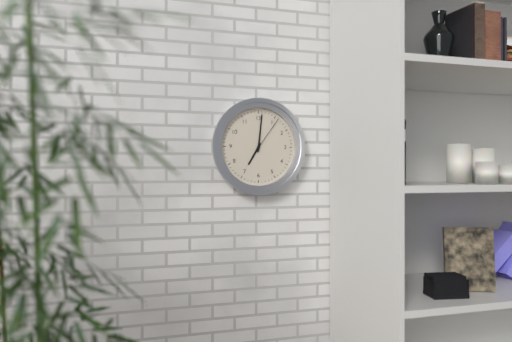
7:01
